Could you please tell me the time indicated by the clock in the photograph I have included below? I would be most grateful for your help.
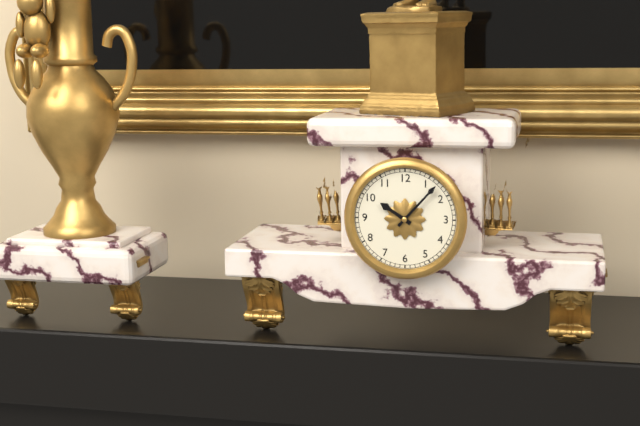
10:07
